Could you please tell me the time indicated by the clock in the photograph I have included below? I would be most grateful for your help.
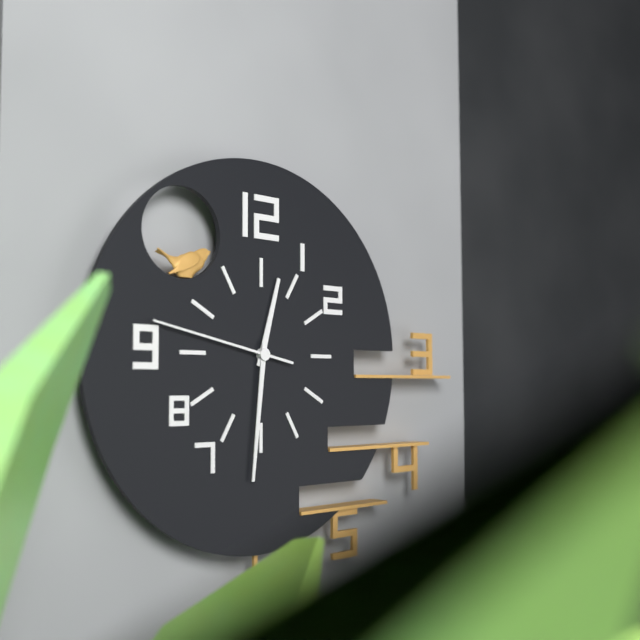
12:31:47
